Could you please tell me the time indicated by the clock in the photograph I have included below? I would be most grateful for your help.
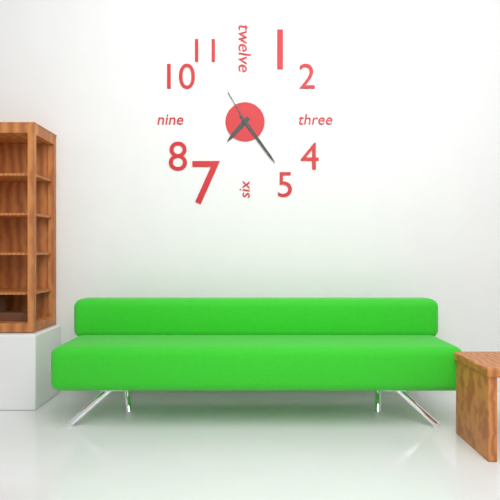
7:24
